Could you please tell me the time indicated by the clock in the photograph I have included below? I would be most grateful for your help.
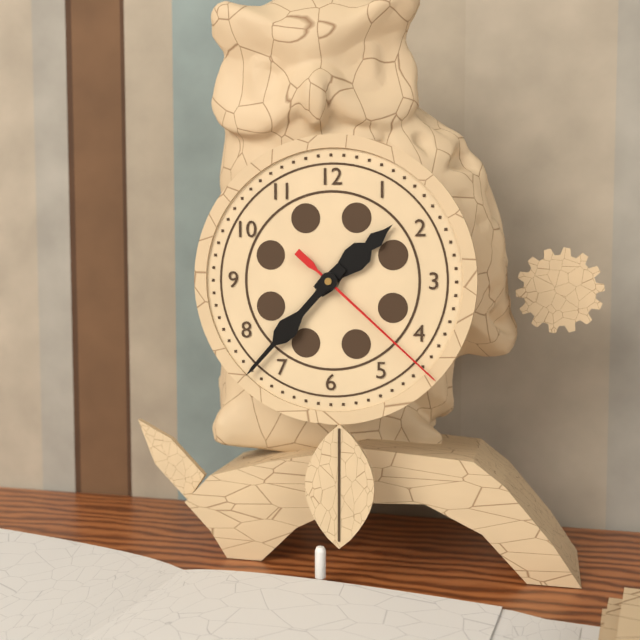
1:37:22
